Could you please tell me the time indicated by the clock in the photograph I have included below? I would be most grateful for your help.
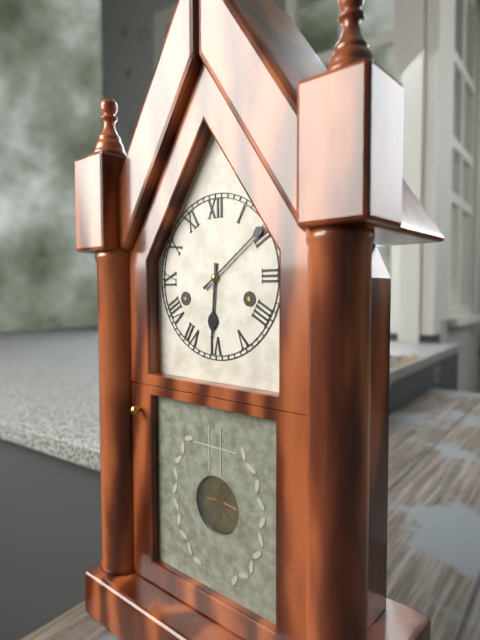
6:09
